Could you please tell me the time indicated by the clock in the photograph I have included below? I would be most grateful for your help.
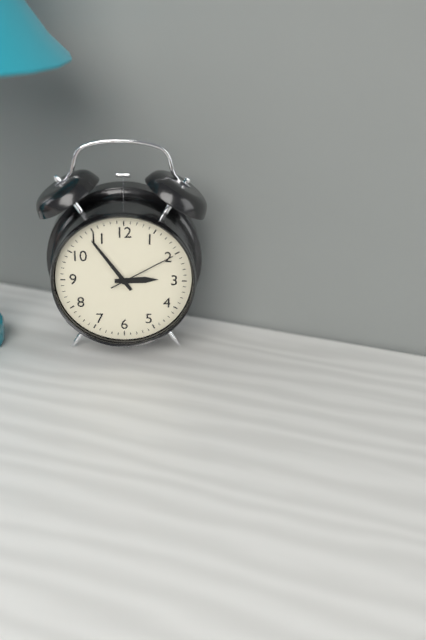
2:54:10
